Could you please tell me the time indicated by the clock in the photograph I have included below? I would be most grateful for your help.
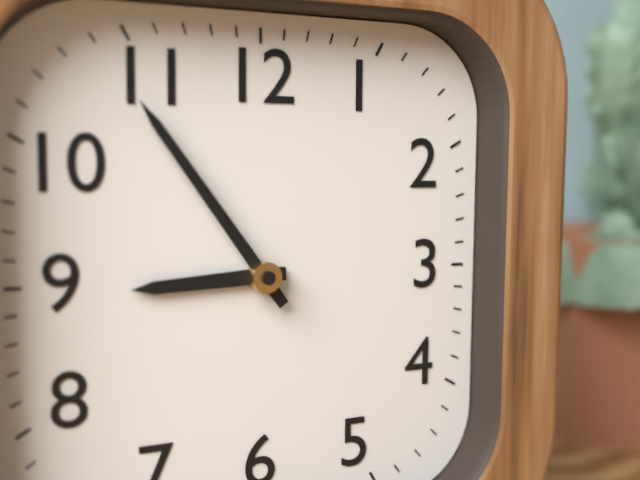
8:54
